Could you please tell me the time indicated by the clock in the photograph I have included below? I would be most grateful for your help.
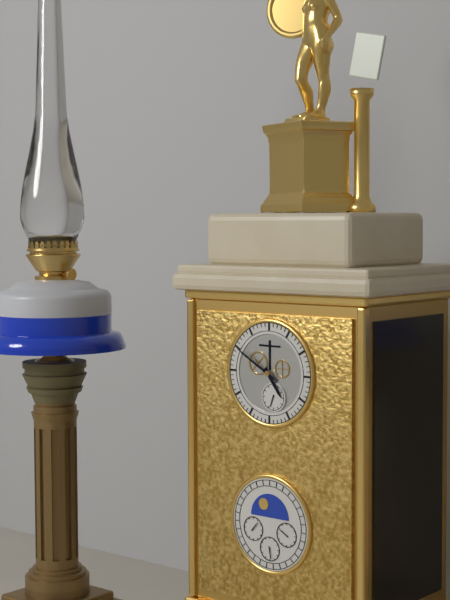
4:50
